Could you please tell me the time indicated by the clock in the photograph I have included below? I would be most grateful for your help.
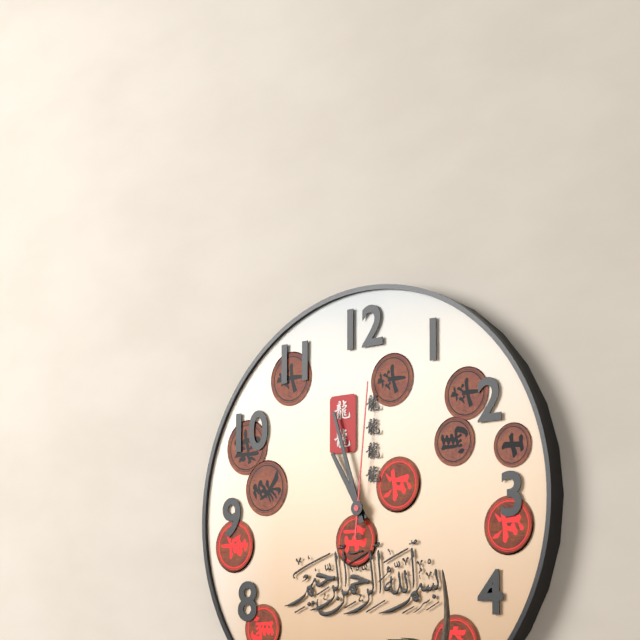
10:57:01
